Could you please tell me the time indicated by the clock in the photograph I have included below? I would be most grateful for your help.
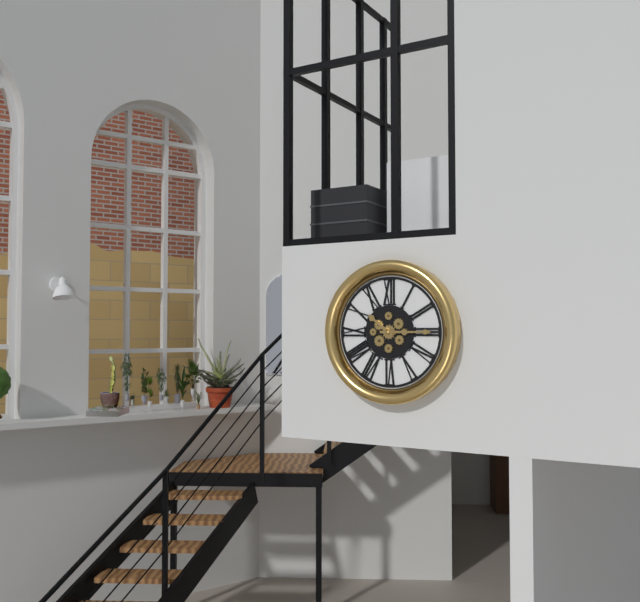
10:15
